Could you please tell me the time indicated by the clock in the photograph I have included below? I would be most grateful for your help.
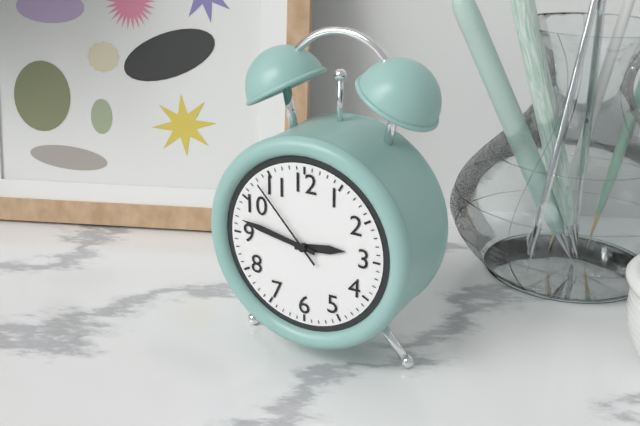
2:47:53
